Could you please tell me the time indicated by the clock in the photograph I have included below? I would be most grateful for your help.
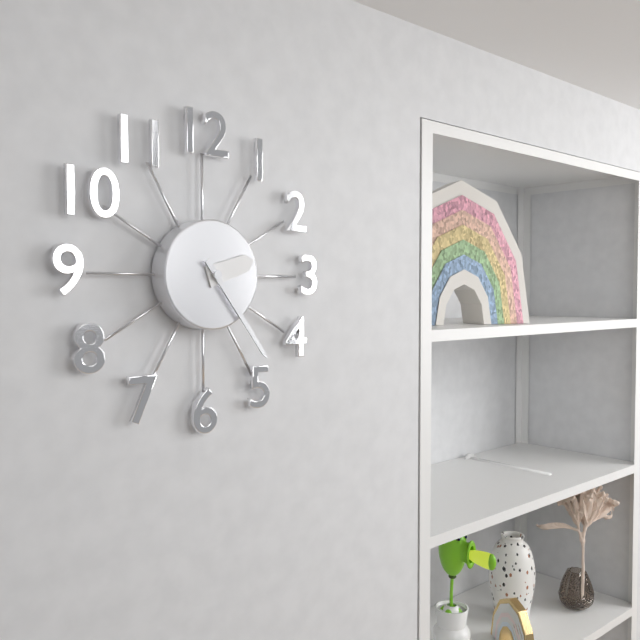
2:24
